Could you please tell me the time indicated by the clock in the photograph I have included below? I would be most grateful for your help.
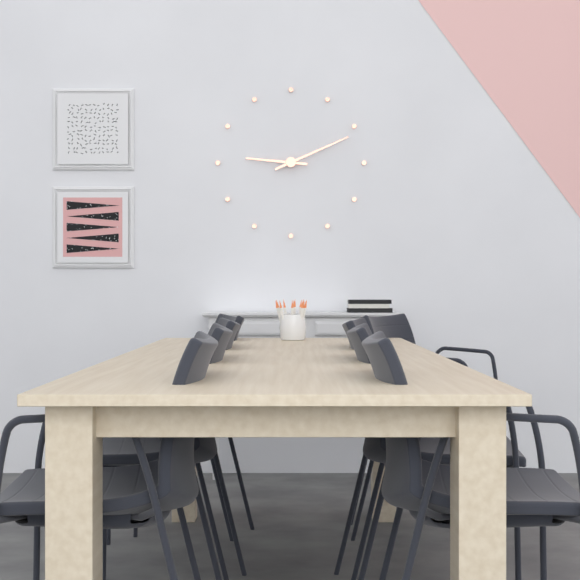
9:11
